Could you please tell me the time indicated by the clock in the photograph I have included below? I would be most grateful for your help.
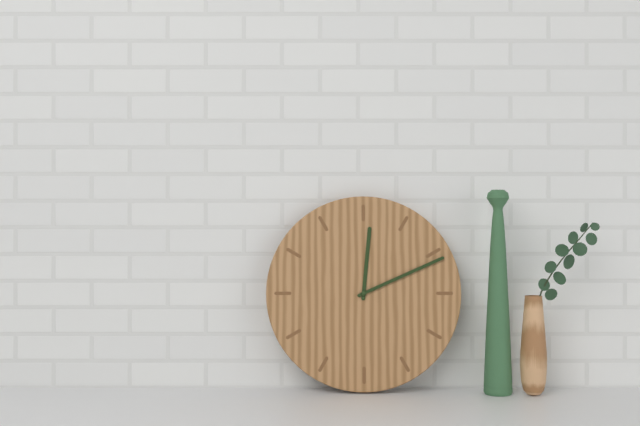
12:11
